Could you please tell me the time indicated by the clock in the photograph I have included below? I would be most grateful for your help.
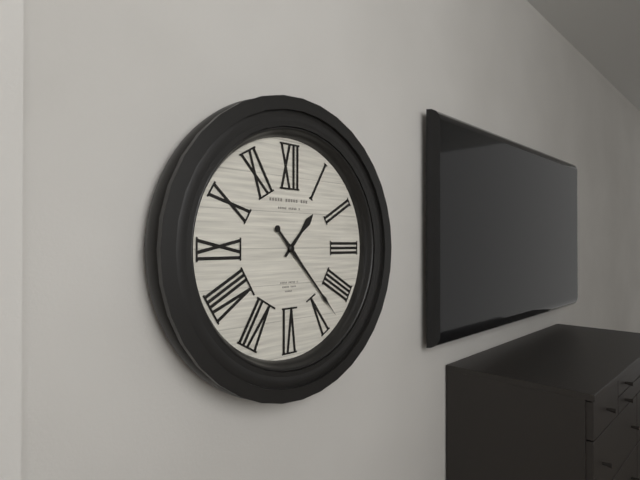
1:23
